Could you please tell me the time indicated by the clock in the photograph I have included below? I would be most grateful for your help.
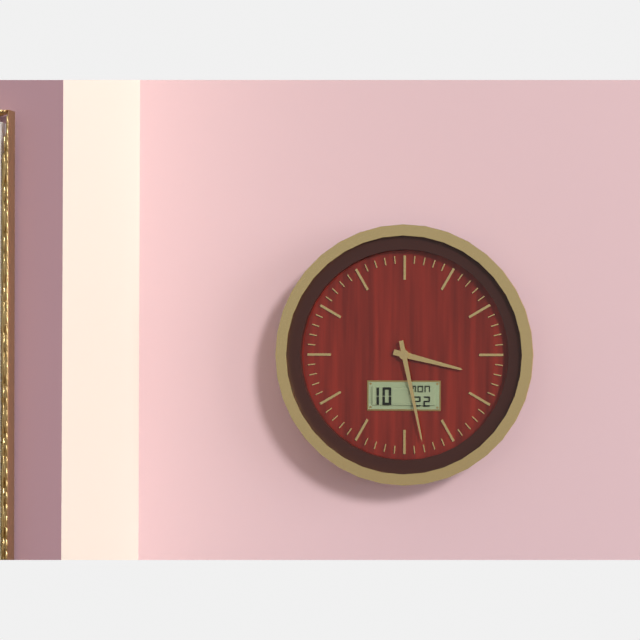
3:28
